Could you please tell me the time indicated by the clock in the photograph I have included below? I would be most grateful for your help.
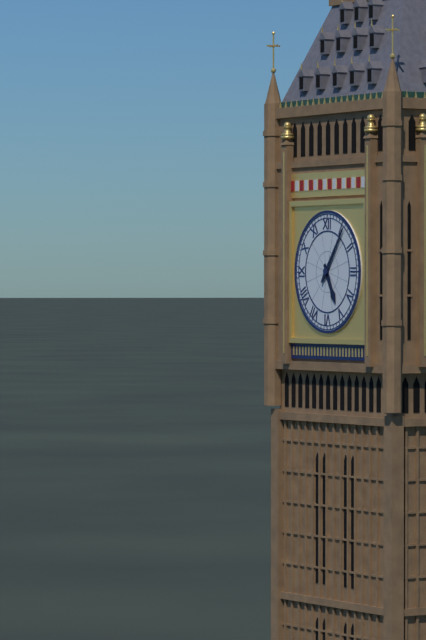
5:06
